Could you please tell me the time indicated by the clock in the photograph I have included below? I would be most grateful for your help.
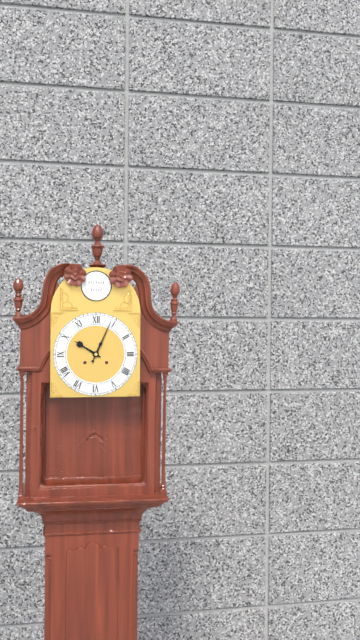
10:04
